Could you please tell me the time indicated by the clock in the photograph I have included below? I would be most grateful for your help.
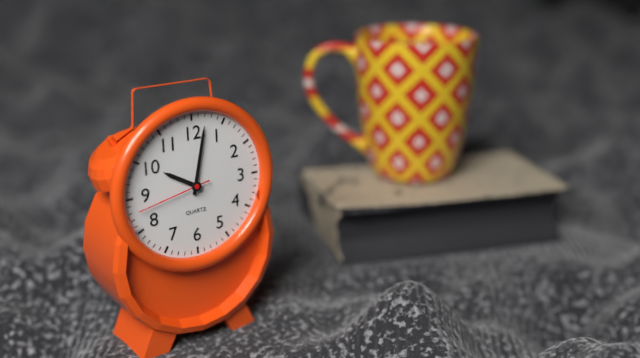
10:02:43
